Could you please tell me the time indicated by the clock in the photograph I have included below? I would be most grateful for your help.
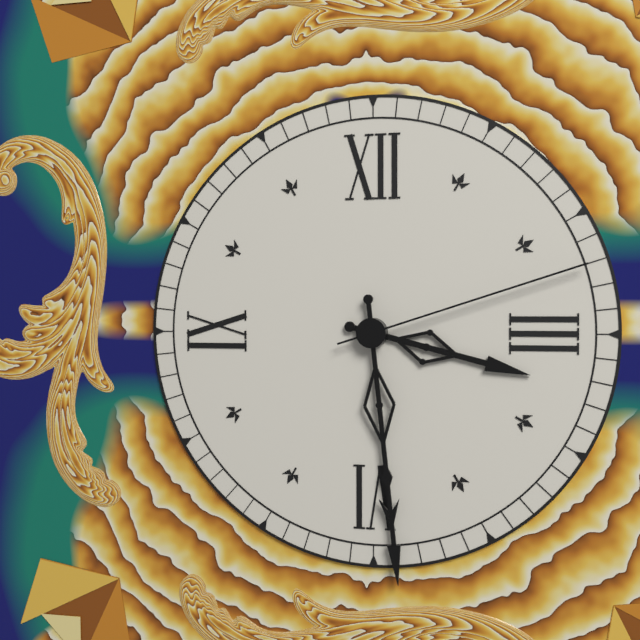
3:29:12
